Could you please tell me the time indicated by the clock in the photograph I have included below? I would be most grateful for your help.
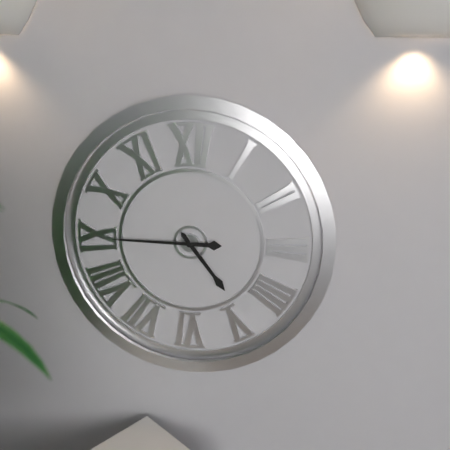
4:45
